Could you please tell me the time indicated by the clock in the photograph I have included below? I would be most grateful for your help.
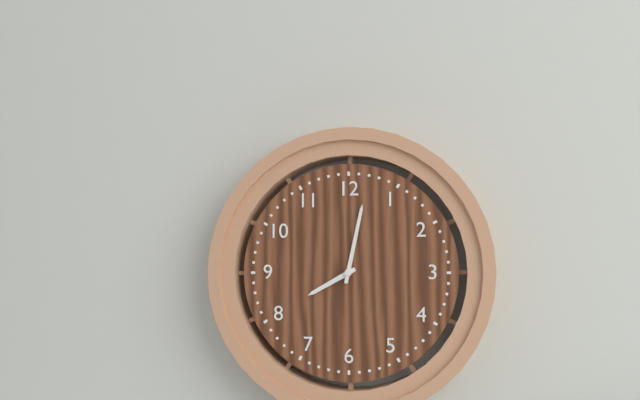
8:02
